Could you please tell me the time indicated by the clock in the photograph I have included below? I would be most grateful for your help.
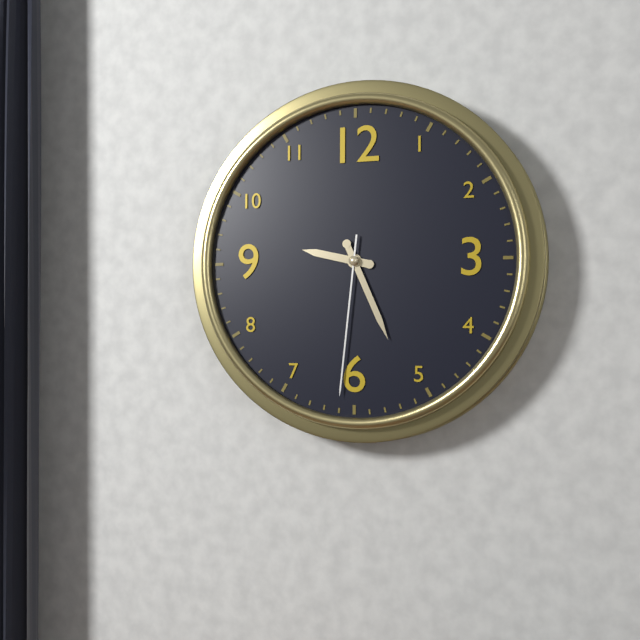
9:26:31
